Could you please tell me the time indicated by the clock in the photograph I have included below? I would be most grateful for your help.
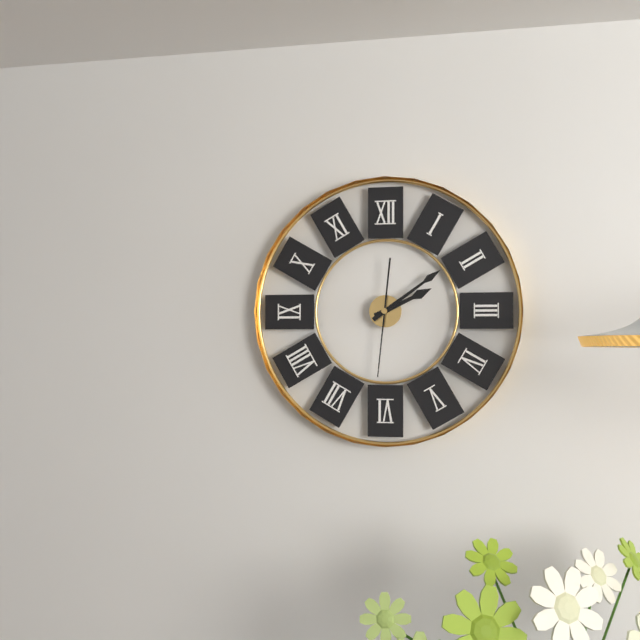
2:09:31
